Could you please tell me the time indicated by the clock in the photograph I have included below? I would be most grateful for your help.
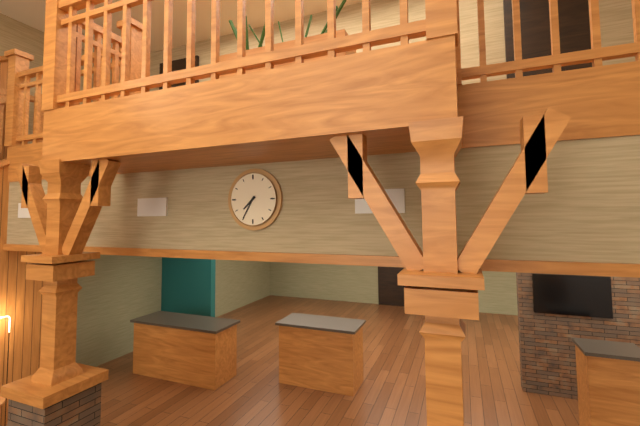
7:35
